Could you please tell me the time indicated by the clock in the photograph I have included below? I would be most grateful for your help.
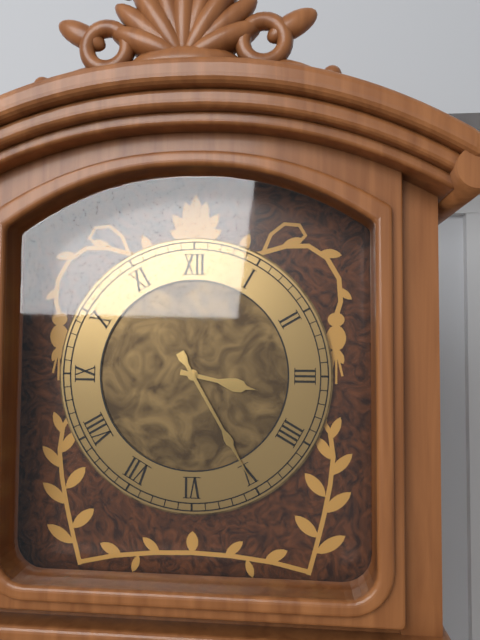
3:25
